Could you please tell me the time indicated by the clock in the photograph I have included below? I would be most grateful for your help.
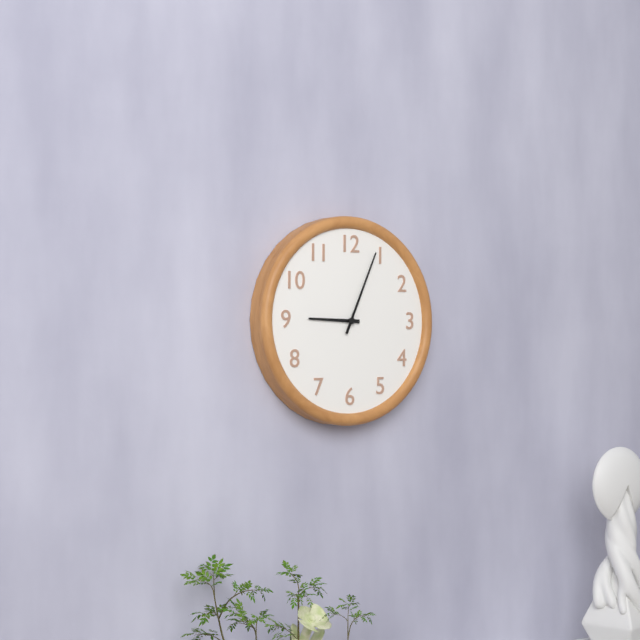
9:04
